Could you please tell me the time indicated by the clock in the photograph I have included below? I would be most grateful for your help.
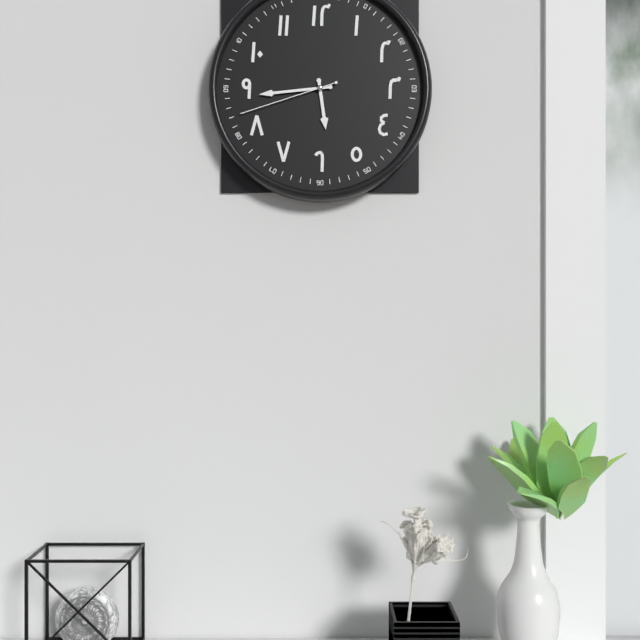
5:44:42
